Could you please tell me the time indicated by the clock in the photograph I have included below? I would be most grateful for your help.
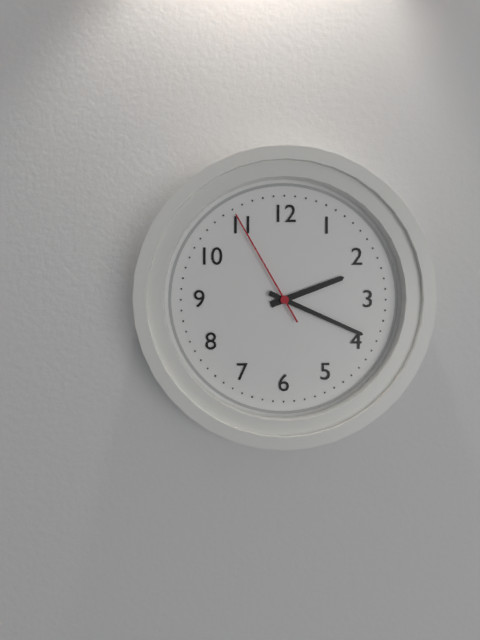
2:19:55
